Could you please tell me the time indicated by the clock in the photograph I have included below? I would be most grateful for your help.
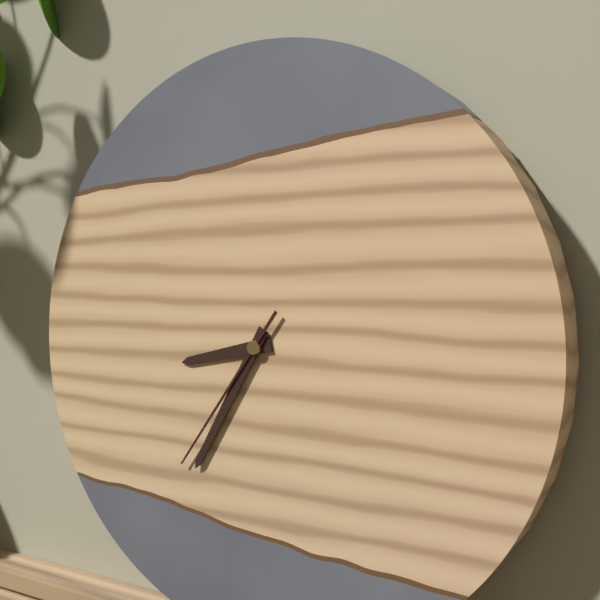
8:35:36
